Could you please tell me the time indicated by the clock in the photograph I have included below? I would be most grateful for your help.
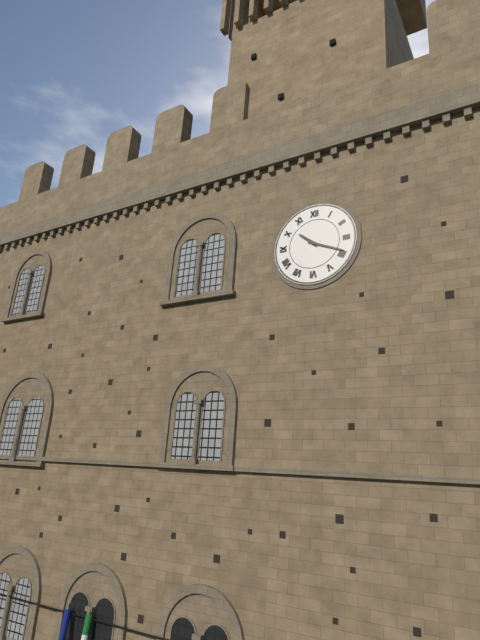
10:19
